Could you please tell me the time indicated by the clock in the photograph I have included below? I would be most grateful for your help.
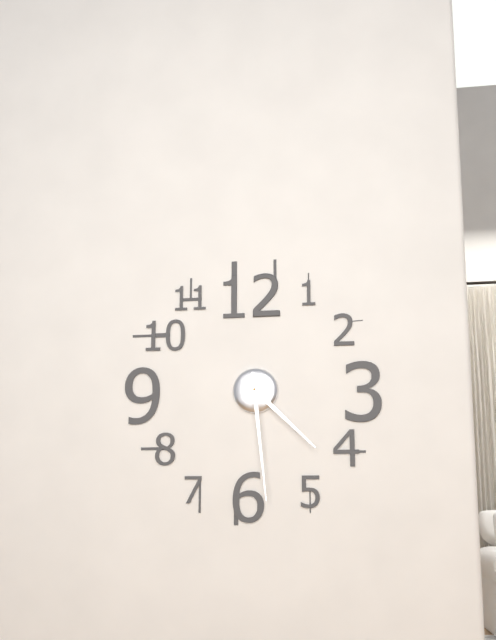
4:29
